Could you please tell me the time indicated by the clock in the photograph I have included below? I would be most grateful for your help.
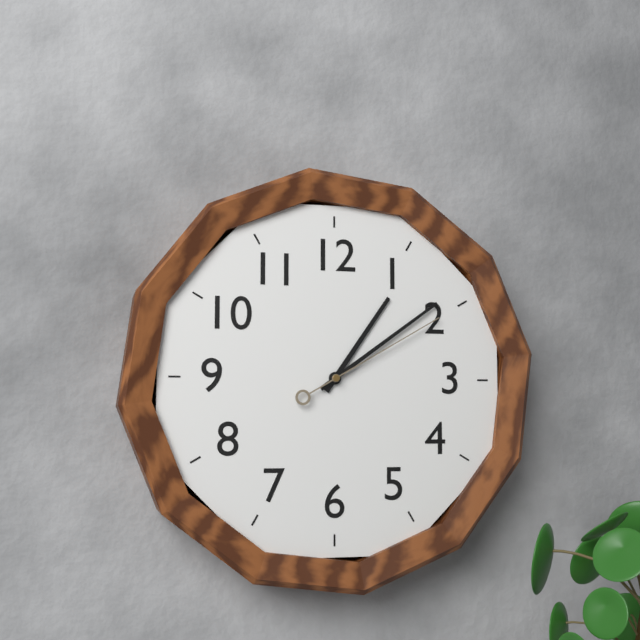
1:09:10
